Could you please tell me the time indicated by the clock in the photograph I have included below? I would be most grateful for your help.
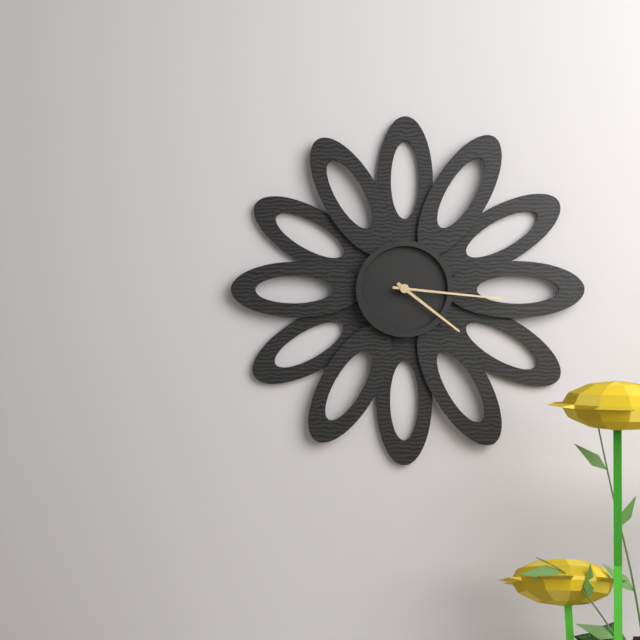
4:16
